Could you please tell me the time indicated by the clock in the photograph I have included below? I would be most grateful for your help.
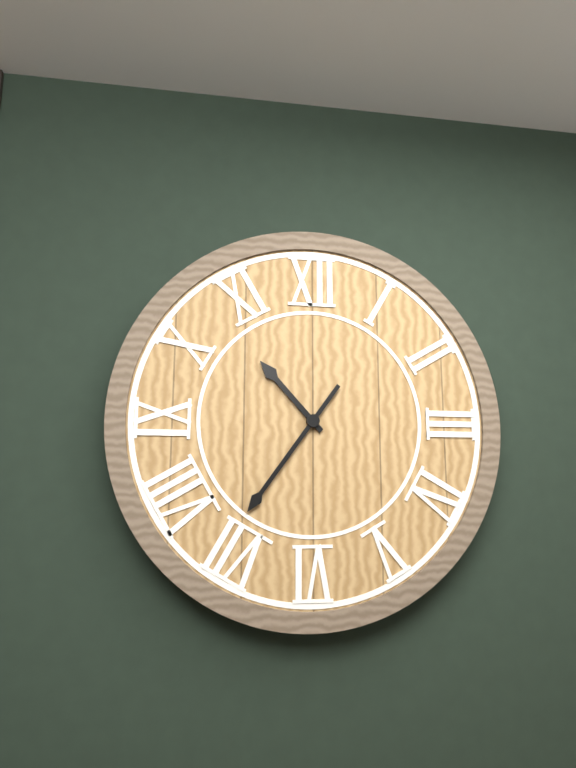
10:36
